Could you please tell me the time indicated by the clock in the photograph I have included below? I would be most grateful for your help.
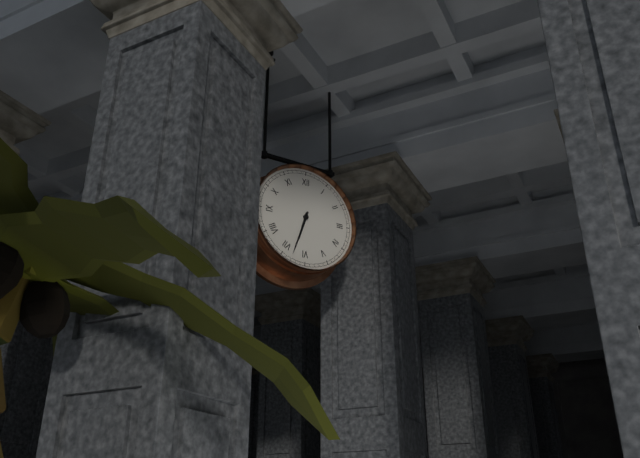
6:33
